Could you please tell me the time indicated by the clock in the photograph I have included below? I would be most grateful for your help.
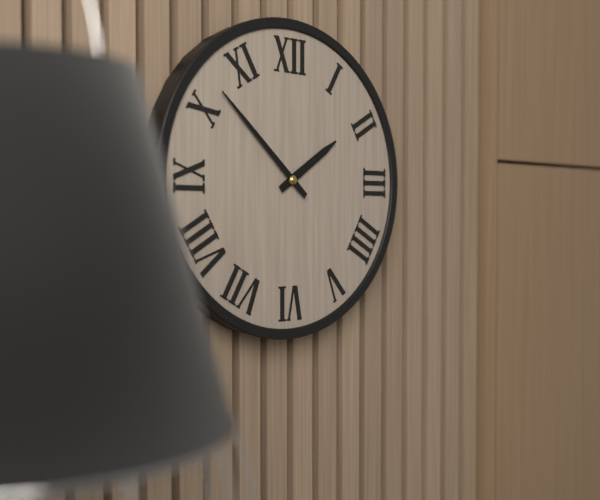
1:52
